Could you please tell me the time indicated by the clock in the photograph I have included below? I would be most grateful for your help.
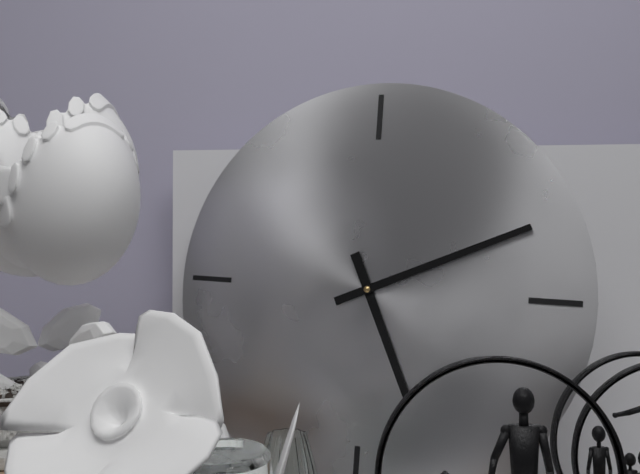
5:11
